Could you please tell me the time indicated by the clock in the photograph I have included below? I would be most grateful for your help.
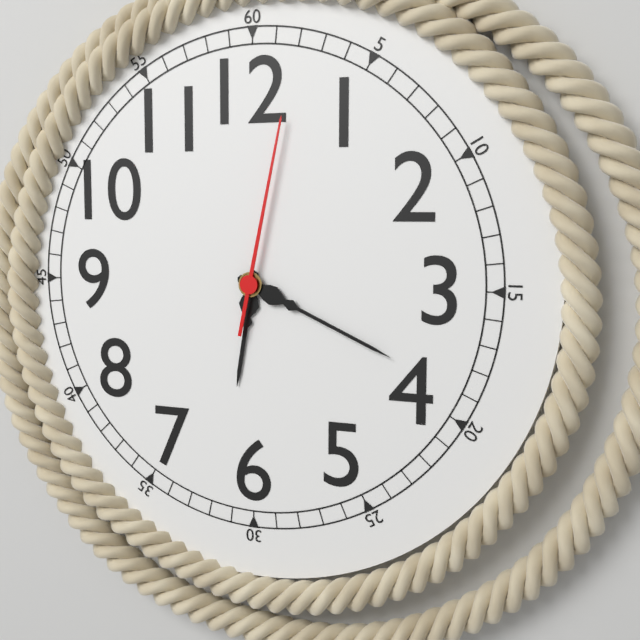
6:19:02
